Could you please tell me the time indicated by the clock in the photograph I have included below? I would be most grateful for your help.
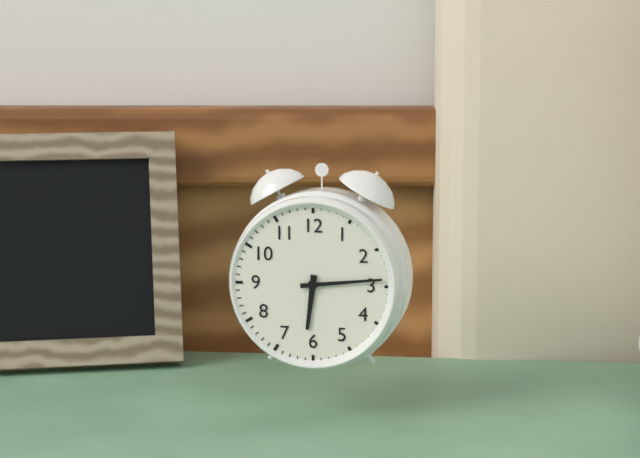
6:14
